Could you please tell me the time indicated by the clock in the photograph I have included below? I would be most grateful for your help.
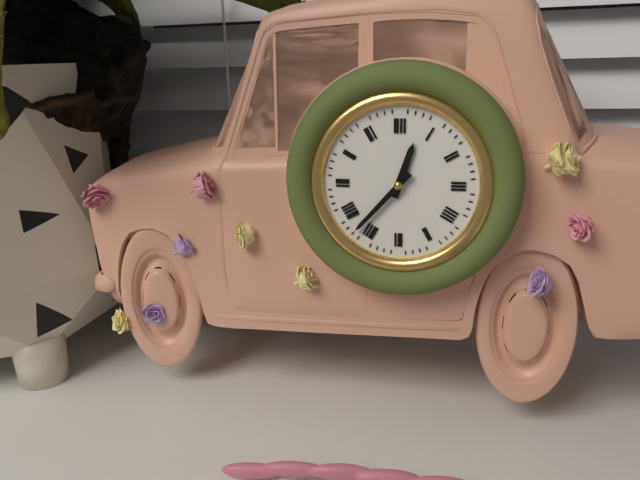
12:37
